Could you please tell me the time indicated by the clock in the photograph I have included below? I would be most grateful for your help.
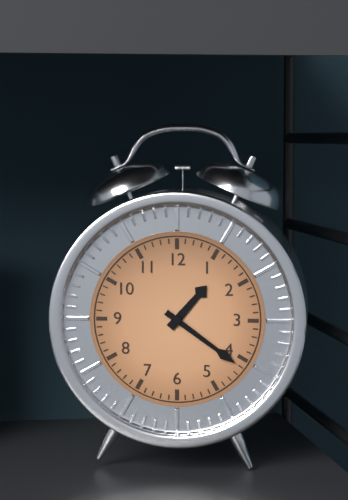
1:21
